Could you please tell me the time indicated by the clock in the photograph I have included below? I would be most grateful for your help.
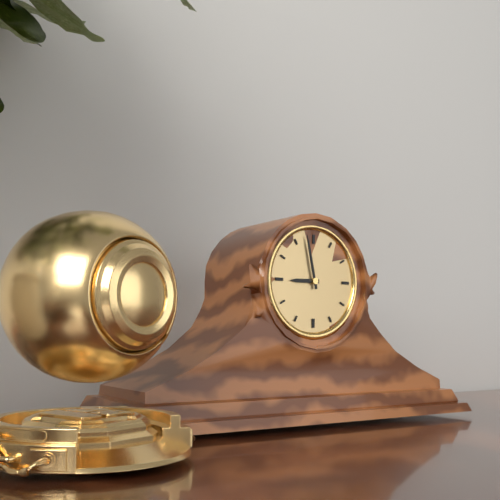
8:58
